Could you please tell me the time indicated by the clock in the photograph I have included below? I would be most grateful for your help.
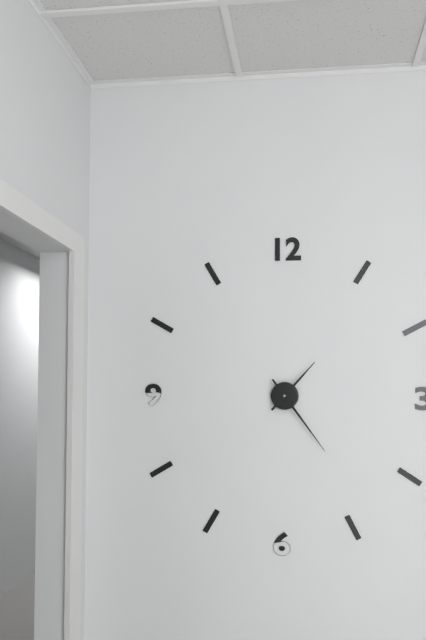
1:24
